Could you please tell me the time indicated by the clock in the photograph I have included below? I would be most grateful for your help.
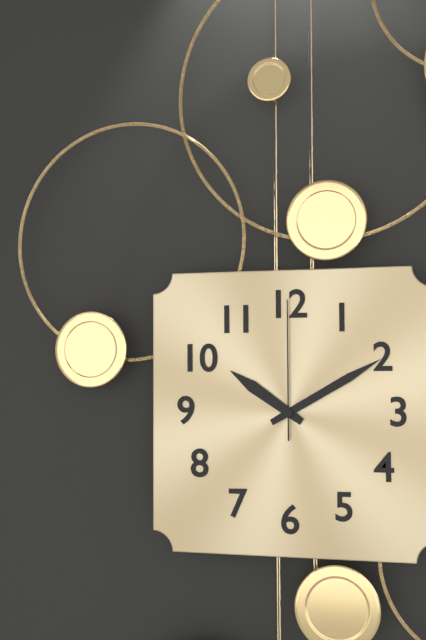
10:10:00
